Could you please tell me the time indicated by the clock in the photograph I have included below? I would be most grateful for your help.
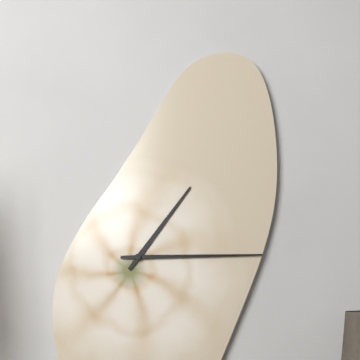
1:15
